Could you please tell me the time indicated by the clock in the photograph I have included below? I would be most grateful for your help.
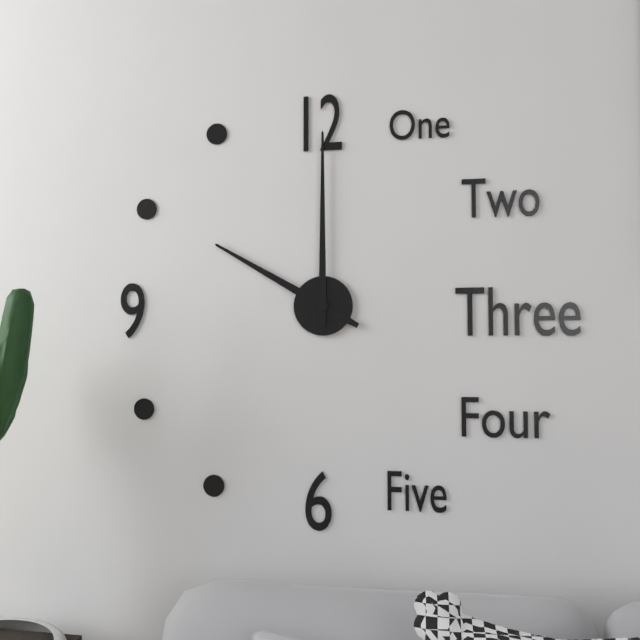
10:00
